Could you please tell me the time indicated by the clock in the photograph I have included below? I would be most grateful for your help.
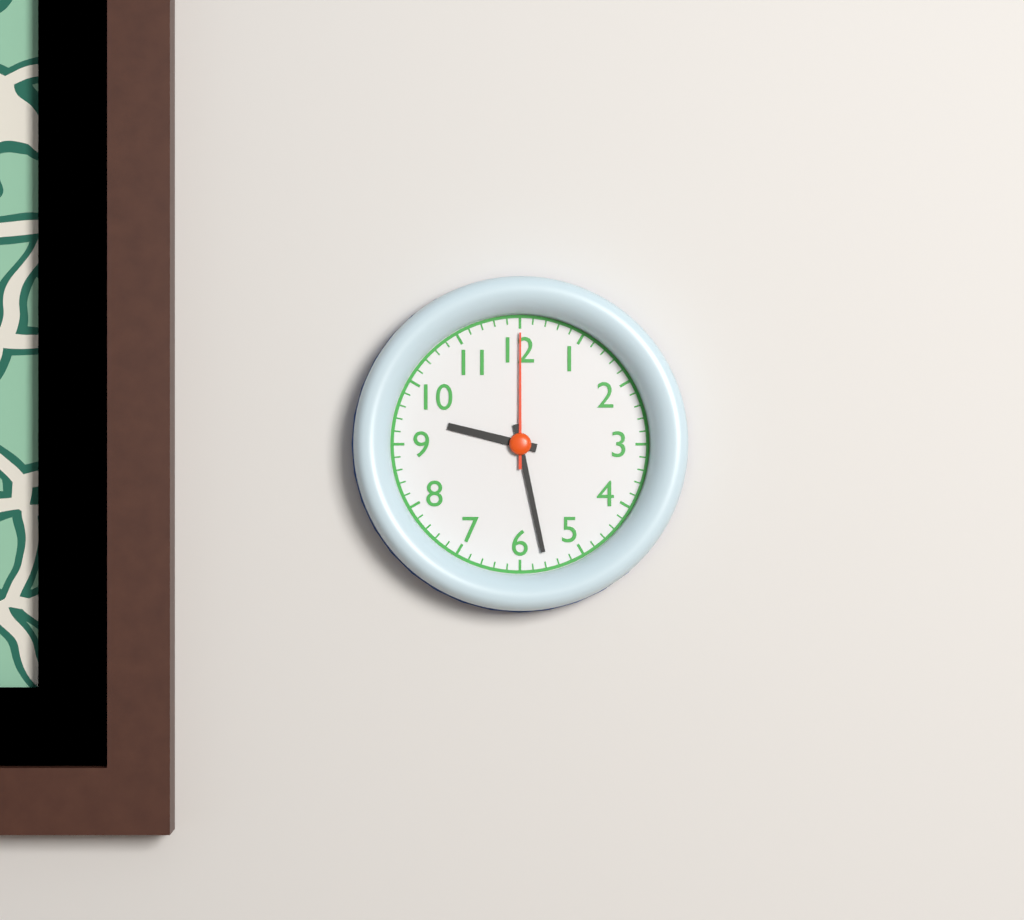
9:28:00
